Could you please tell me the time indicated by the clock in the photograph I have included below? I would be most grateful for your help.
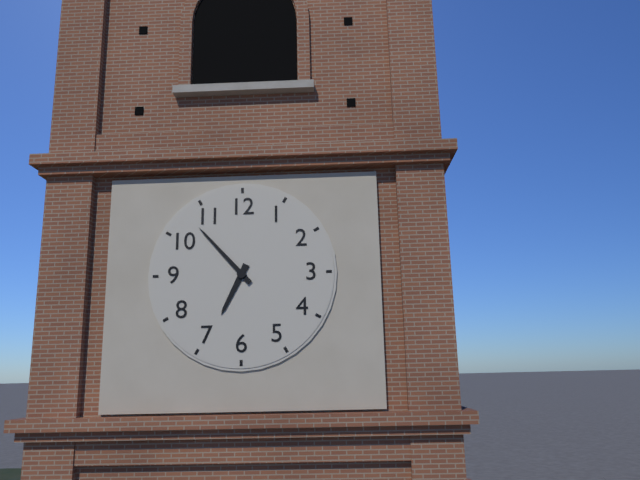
6:53
